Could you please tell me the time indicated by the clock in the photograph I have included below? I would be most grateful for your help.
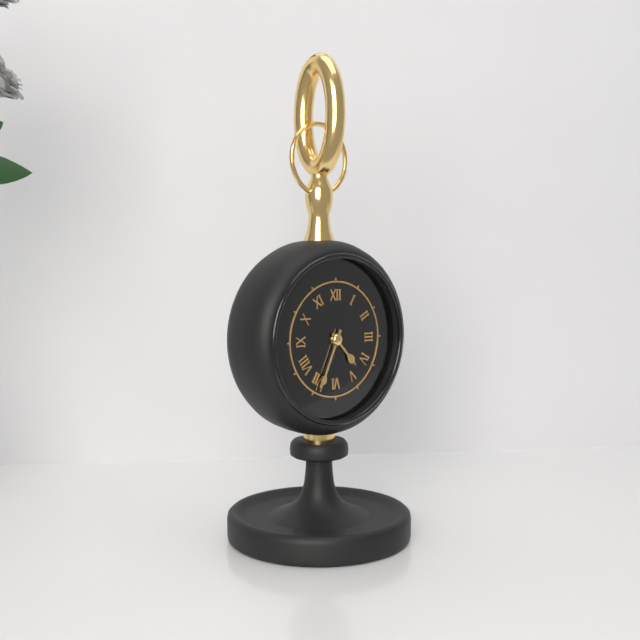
4:34
